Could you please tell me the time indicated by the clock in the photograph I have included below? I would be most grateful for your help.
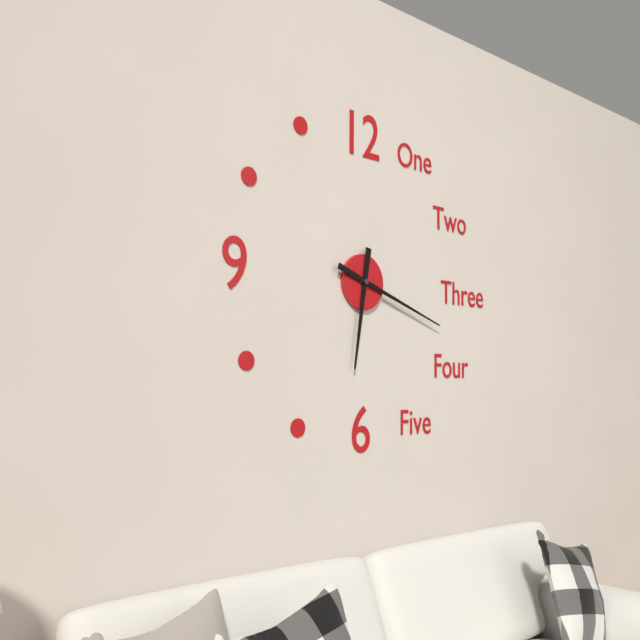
6:18
